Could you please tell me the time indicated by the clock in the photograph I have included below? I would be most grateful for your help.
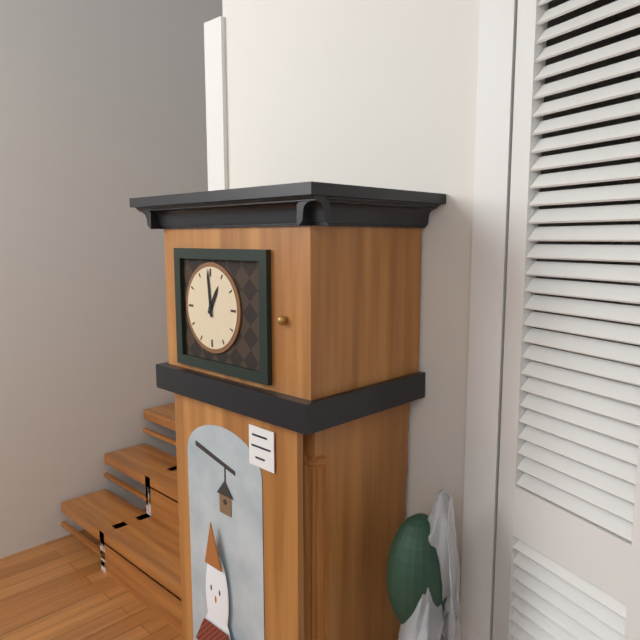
12:59
